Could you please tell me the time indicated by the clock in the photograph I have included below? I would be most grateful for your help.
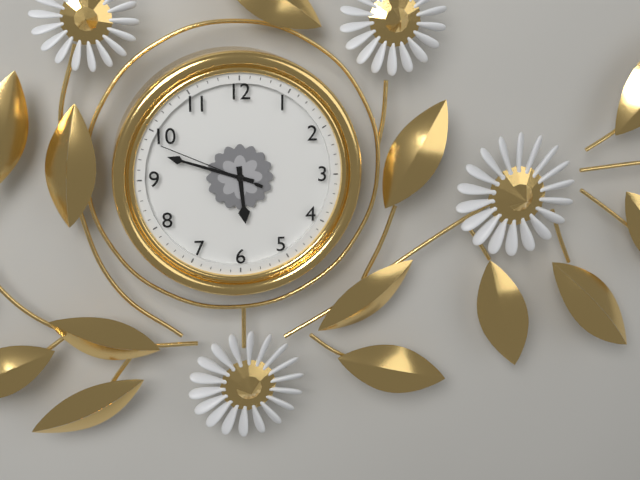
5:48:49
